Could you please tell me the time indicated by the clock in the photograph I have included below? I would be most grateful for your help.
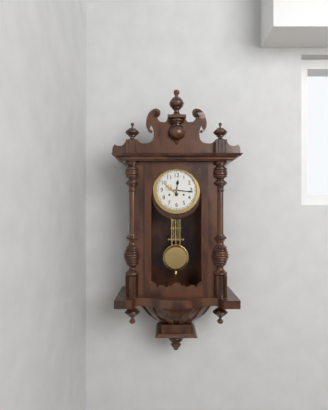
12:16
